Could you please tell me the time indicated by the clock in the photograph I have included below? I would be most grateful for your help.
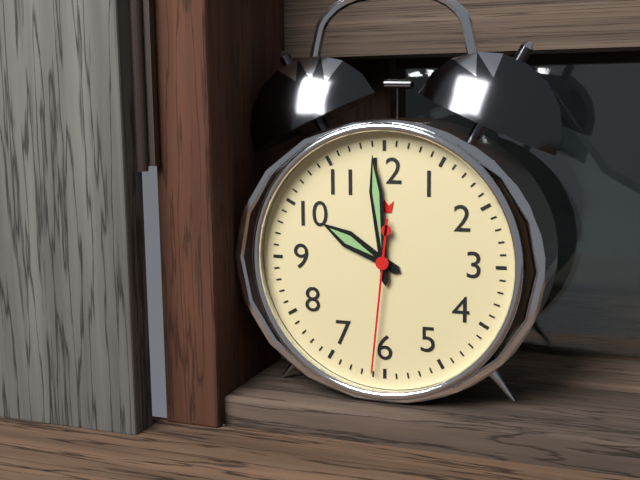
9:59:31
